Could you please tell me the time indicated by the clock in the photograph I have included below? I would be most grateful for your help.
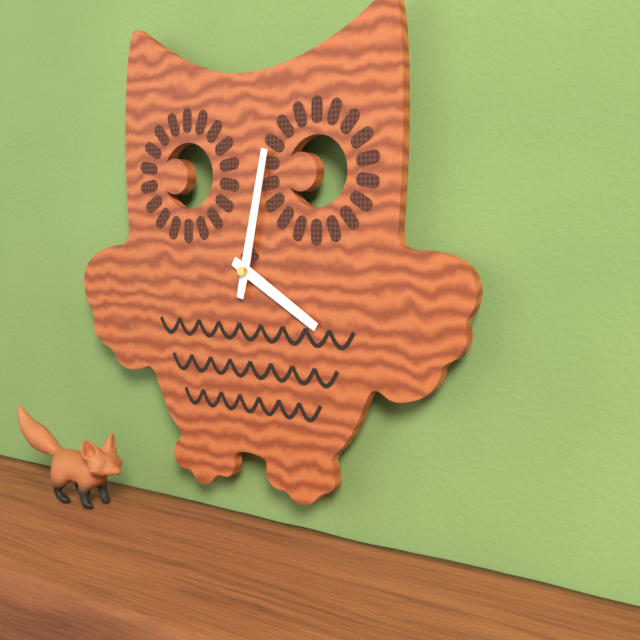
4:02
